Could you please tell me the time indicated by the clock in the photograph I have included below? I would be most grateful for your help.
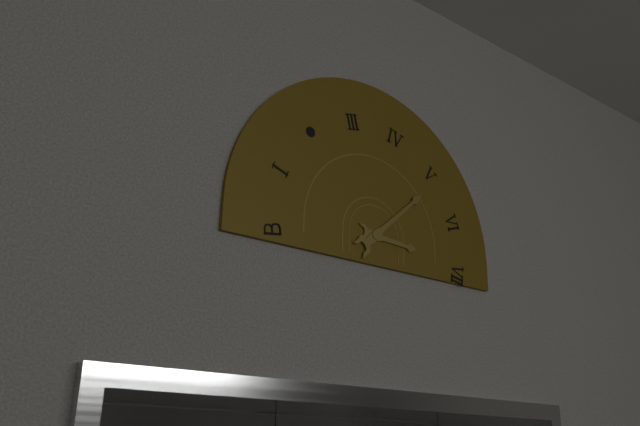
3:08
